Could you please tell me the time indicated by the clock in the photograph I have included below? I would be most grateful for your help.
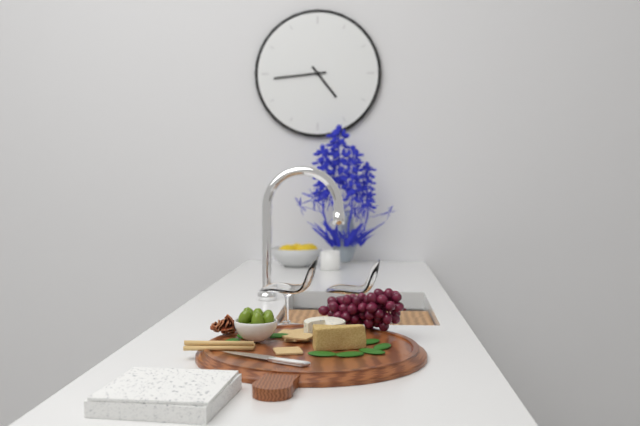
4:44
